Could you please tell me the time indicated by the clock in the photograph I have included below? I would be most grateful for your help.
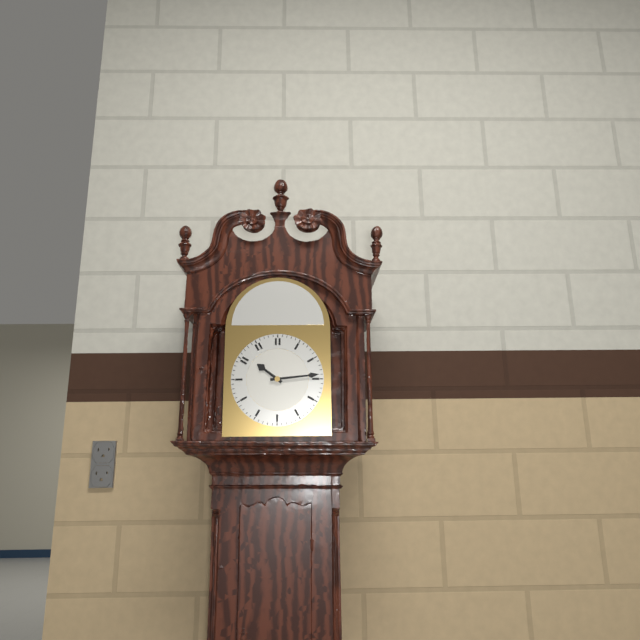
10:14
